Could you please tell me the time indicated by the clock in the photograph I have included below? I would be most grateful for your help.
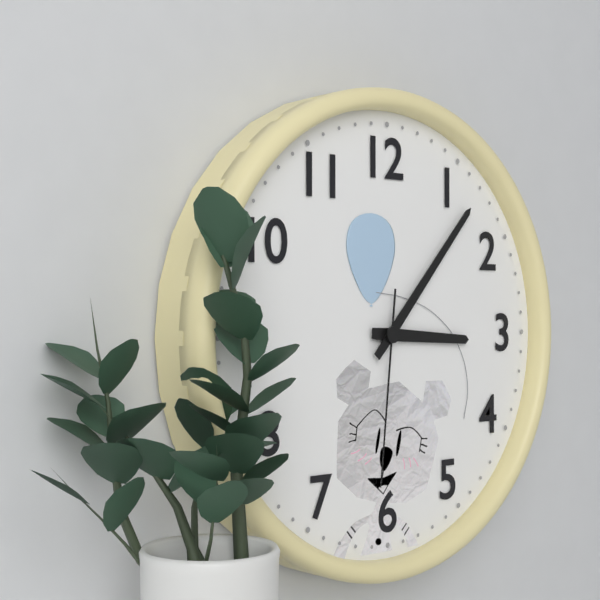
3:07:31
